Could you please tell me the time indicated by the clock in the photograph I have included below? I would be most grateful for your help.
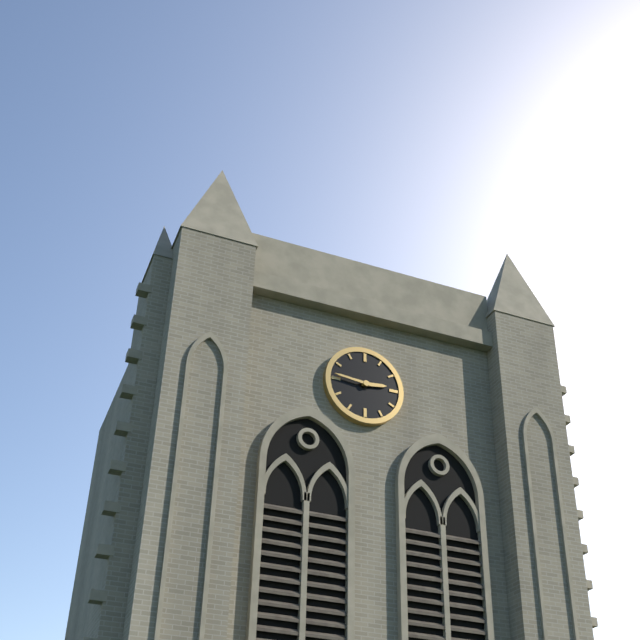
2:46
